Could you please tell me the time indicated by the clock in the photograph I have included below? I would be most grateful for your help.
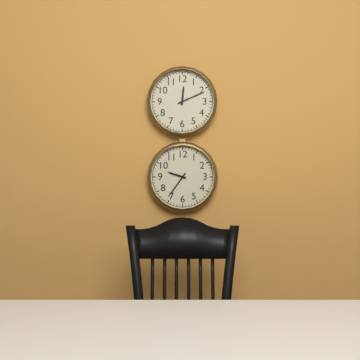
12:11
